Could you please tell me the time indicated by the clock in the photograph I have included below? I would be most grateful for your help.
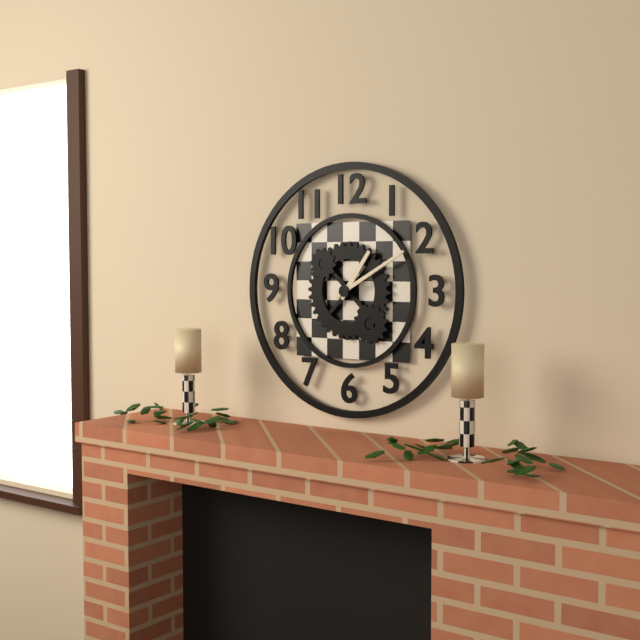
1:10
